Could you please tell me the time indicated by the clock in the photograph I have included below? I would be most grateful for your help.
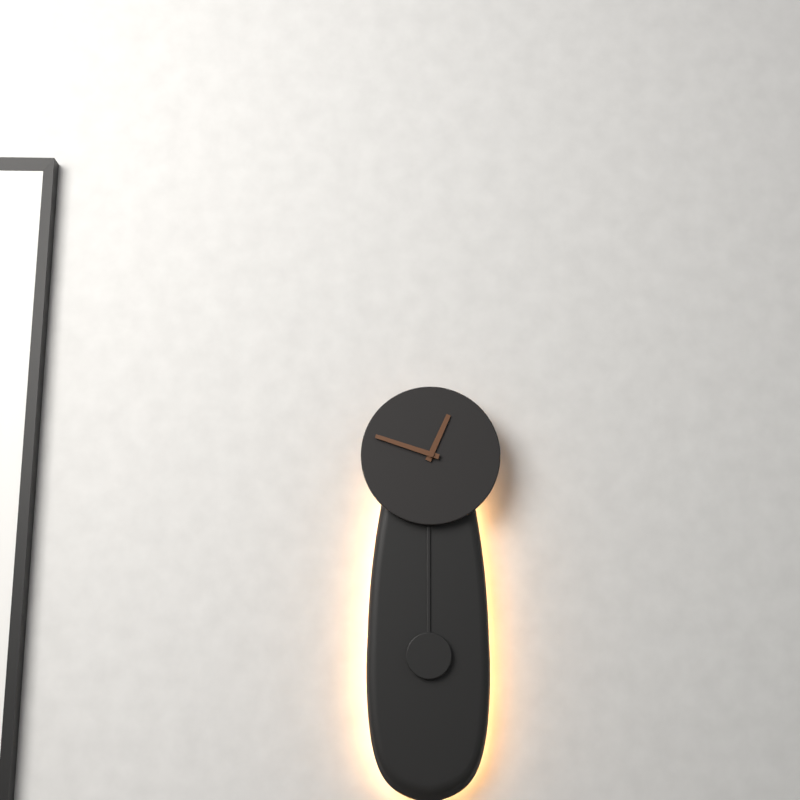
12:48
